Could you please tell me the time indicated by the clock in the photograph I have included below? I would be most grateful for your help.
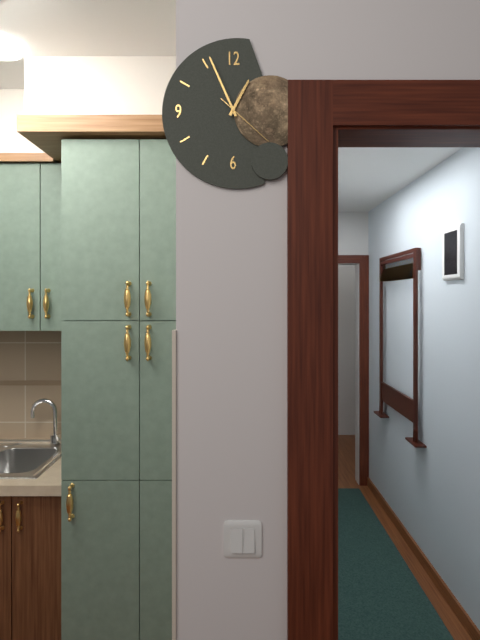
12:56:22
